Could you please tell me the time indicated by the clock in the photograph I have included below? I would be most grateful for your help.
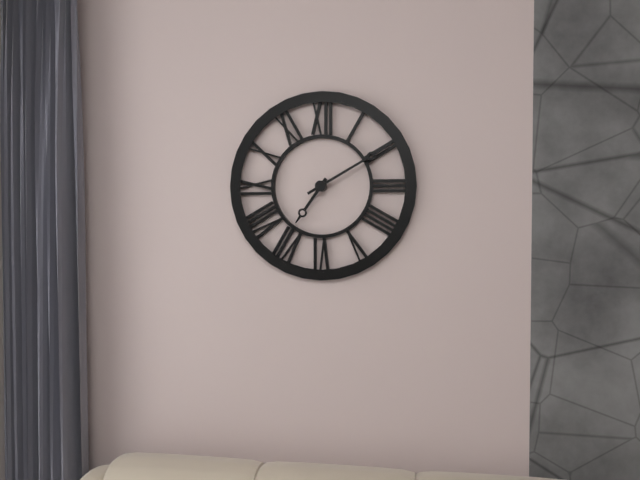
7:10
